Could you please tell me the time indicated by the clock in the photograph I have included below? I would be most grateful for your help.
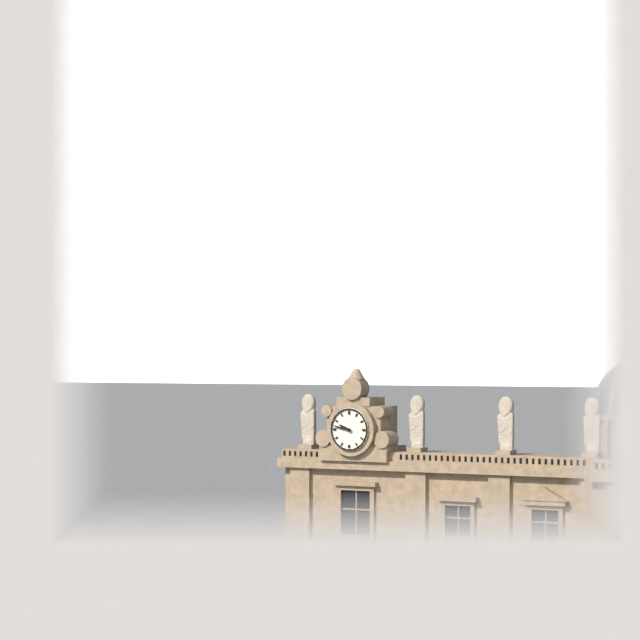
9:47
